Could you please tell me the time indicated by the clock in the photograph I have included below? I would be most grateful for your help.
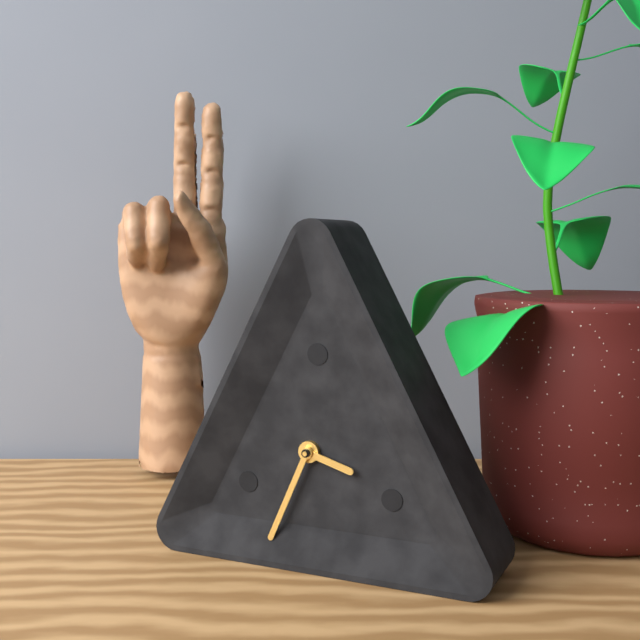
3:34
